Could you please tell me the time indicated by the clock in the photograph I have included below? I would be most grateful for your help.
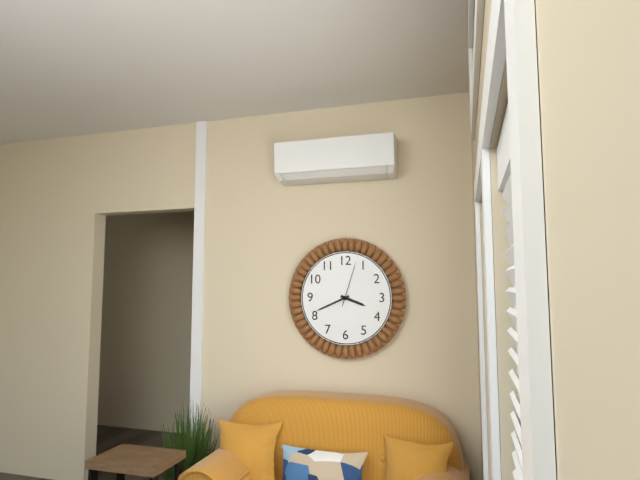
3:41
